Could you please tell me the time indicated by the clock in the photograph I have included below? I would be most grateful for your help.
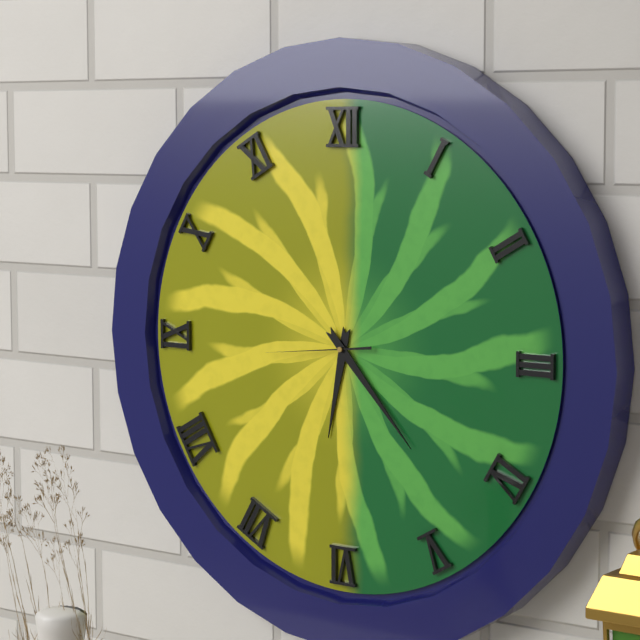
6:23:44
